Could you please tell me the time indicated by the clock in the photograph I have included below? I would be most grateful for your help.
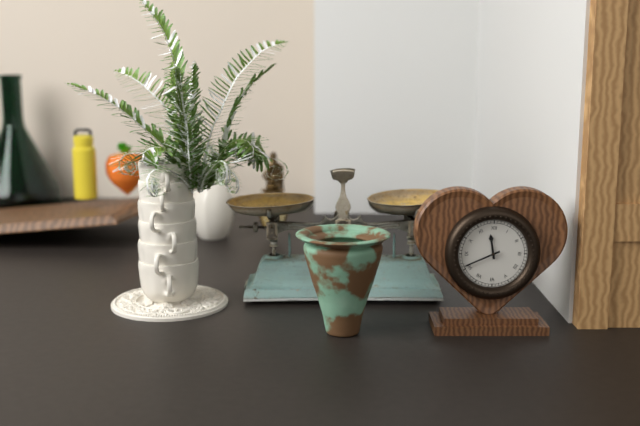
11:41
